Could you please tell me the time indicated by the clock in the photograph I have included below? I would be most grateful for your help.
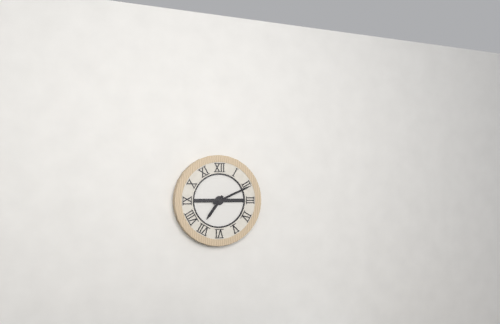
7:11
